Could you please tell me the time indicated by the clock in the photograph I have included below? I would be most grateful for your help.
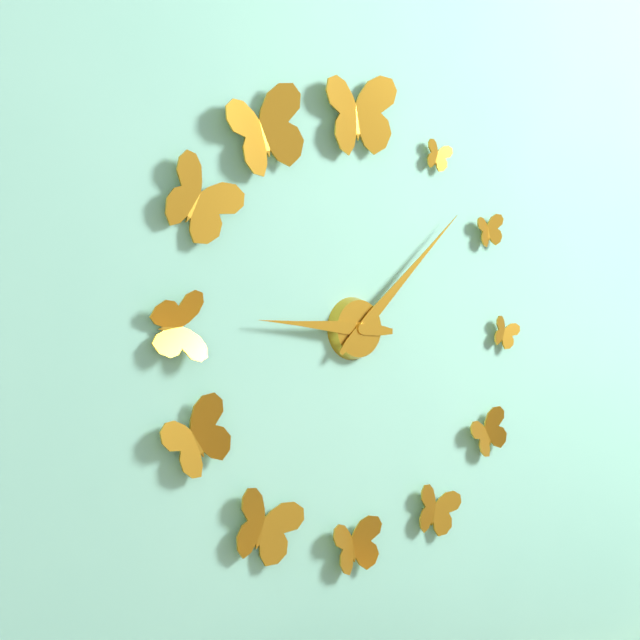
9:08
